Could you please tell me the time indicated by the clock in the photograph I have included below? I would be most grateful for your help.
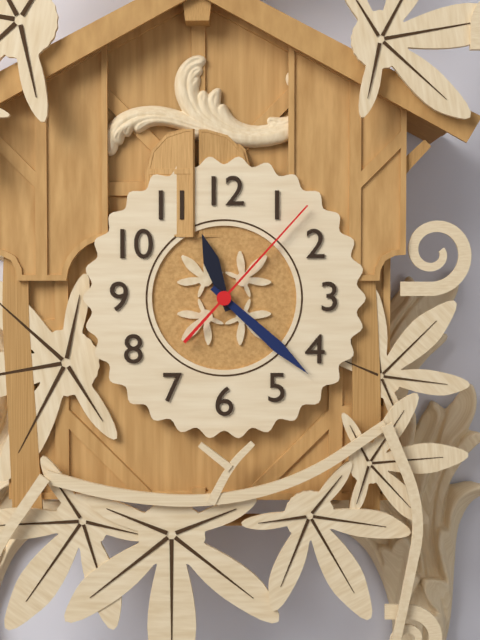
11:22:07
